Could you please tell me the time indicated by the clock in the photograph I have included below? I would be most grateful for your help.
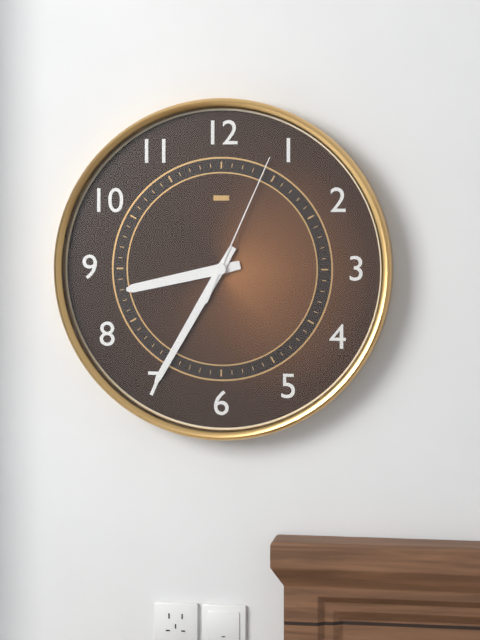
8:35:04
